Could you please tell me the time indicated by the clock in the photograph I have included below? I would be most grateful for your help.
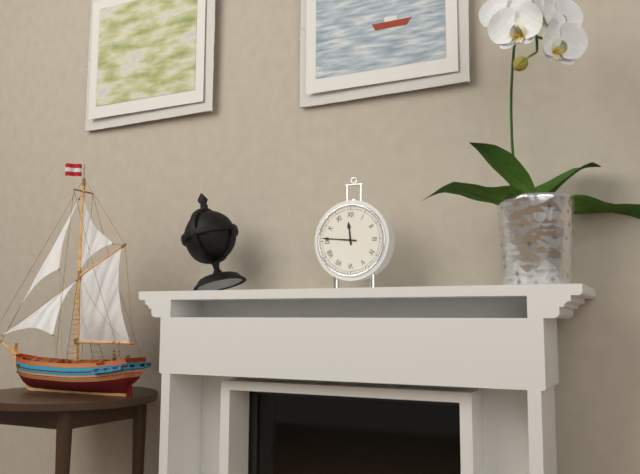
11:46
